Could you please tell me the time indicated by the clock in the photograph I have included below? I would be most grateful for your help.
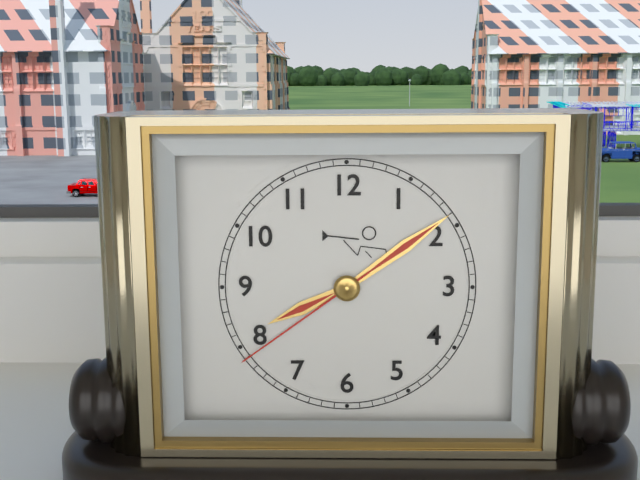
8:09:39
